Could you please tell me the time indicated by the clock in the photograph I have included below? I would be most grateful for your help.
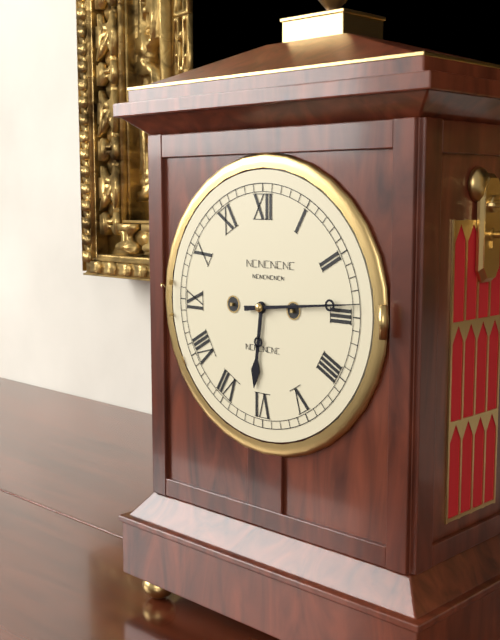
6:14
